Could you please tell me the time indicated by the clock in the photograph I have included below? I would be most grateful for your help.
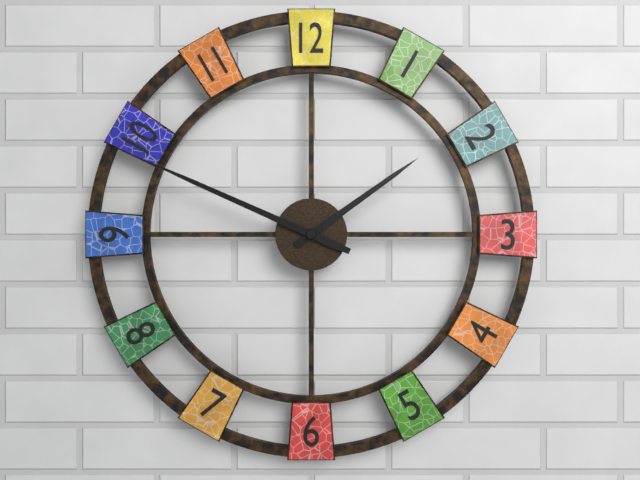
1:49
